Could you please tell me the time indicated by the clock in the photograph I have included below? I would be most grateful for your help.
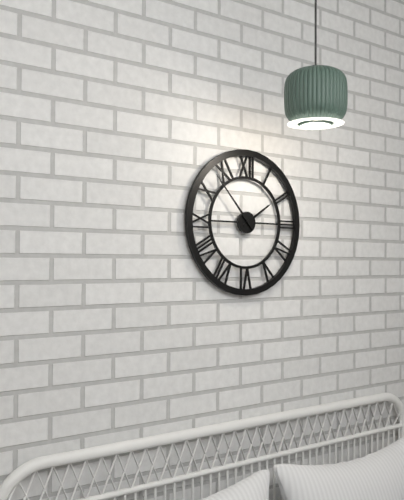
1:53
